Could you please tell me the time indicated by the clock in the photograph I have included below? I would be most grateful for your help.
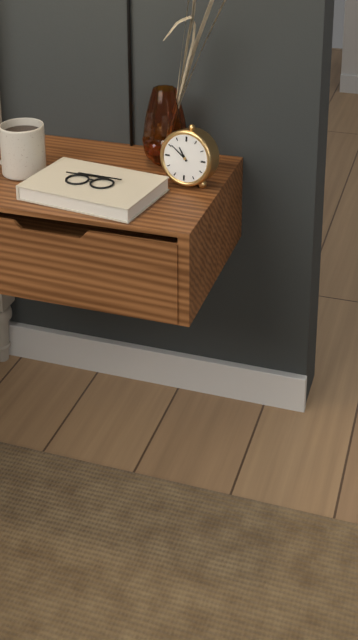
10:51
